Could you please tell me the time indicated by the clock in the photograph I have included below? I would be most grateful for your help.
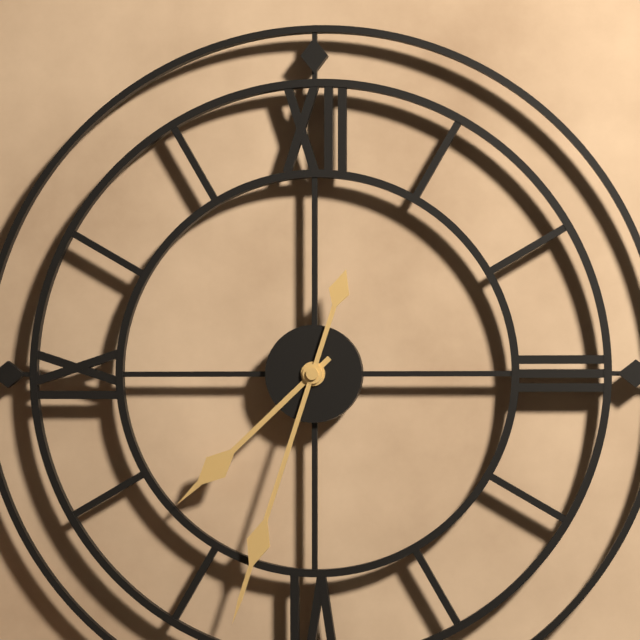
7:33
